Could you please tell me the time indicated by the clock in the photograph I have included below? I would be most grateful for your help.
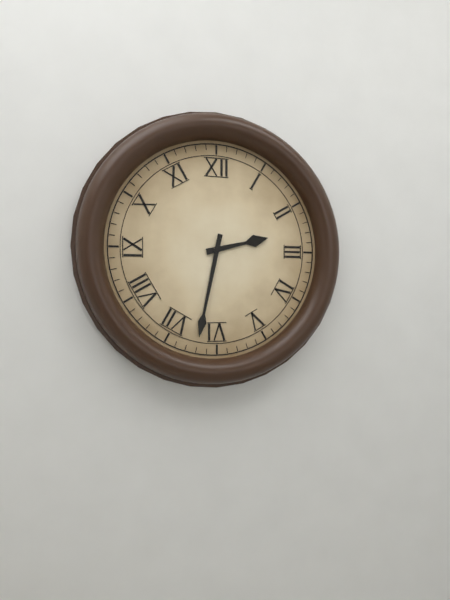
2:32
